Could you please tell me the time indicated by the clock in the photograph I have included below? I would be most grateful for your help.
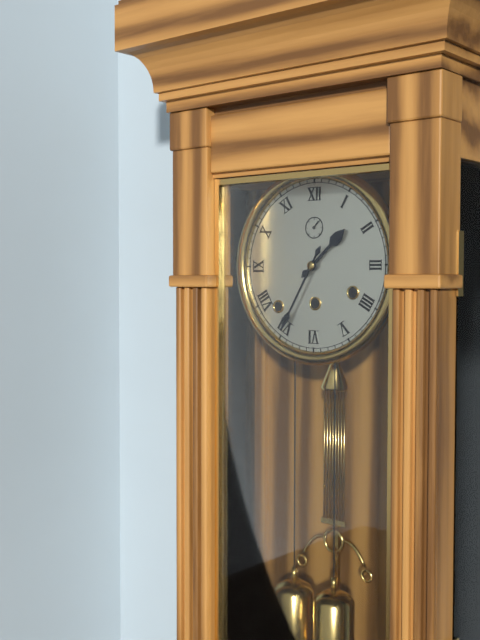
1:35
